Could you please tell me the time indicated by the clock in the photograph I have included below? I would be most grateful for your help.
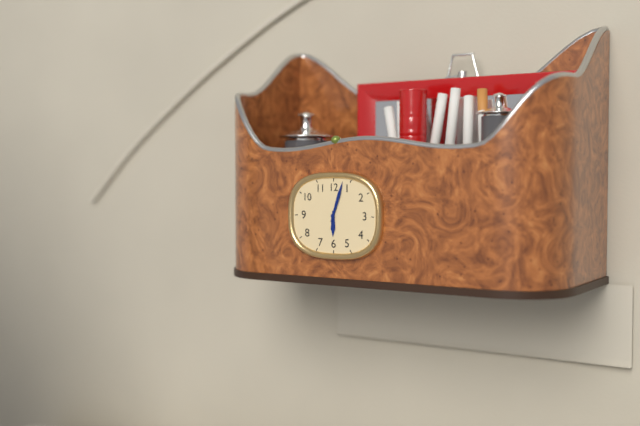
6:03
